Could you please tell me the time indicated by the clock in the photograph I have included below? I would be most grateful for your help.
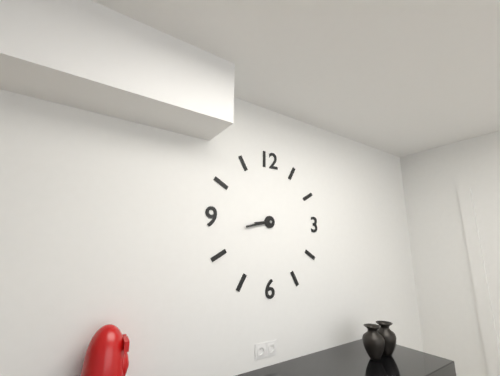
8:43
